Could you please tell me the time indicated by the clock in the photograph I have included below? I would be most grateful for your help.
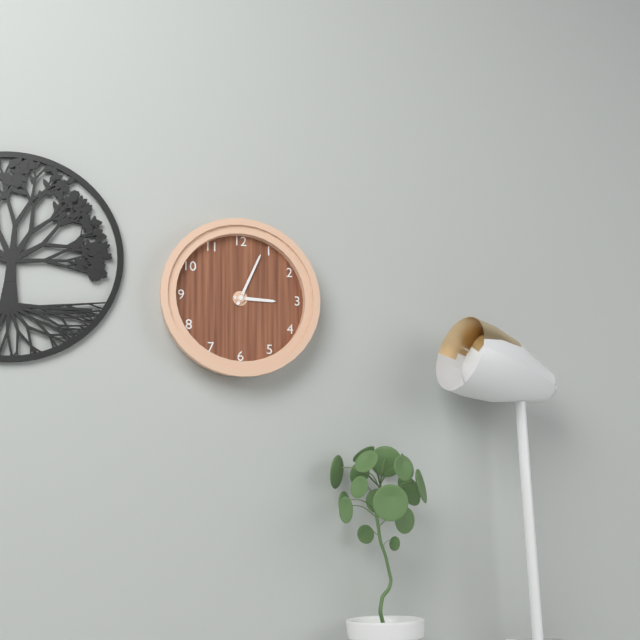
3:04
